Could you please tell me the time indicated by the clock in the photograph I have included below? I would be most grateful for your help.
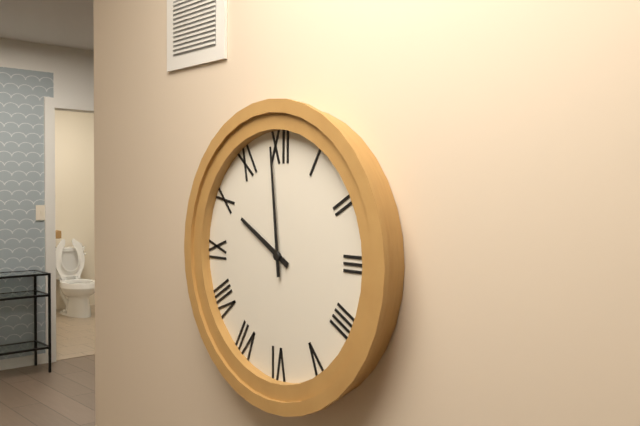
9:59
